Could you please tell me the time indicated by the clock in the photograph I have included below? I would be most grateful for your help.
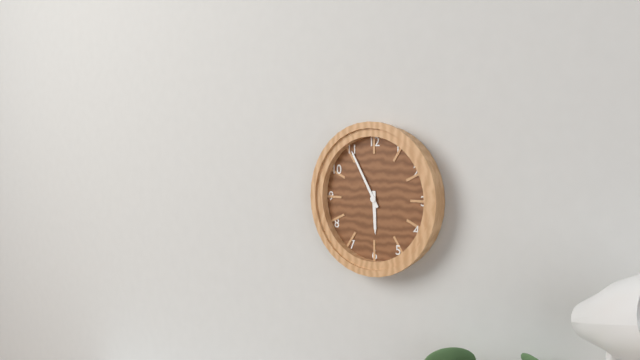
5:55
